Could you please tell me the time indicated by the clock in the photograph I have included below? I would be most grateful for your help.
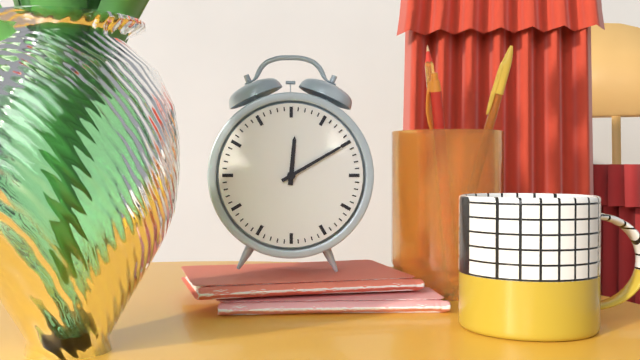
12:10
